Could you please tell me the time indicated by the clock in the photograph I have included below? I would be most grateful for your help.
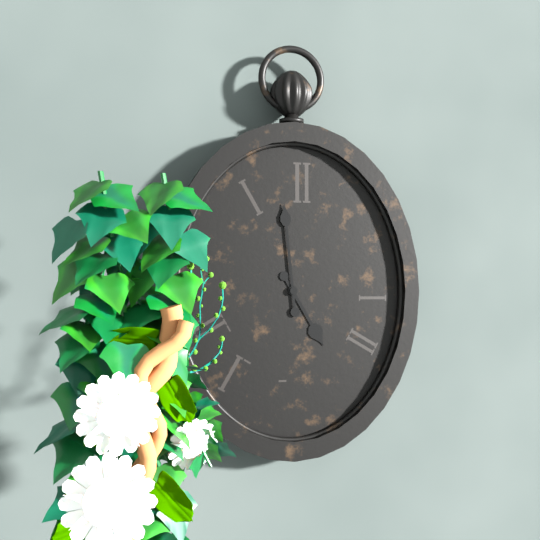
4:59
